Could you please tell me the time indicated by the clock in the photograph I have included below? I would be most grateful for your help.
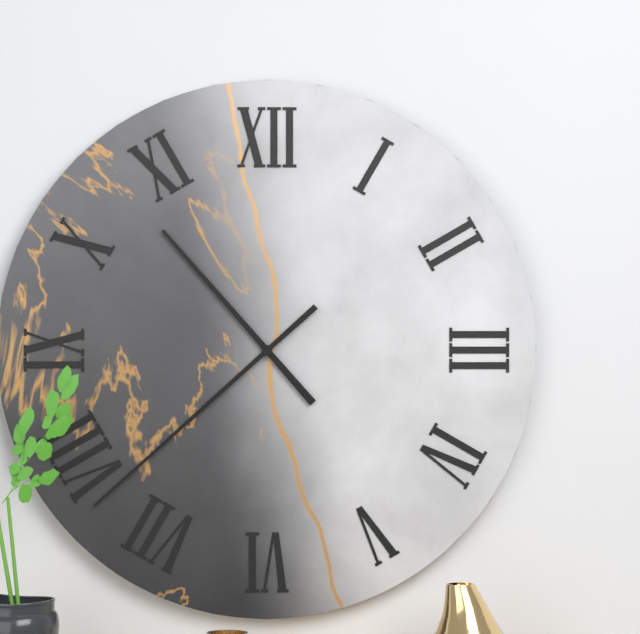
10:38
